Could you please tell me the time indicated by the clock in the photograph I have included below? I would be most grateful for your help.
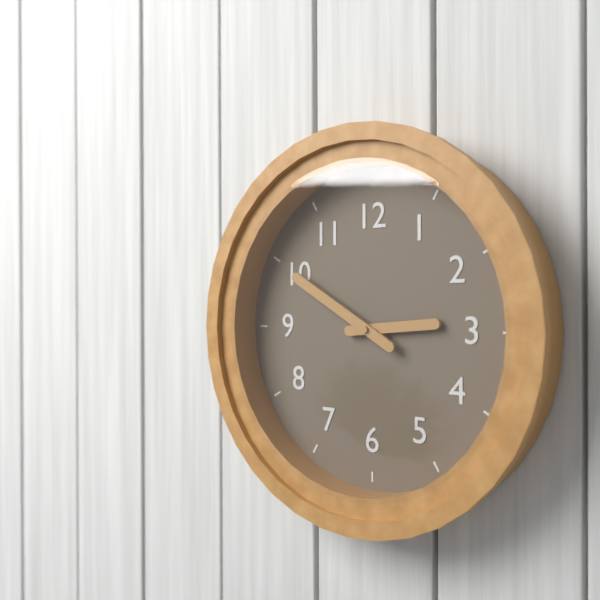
2:50
